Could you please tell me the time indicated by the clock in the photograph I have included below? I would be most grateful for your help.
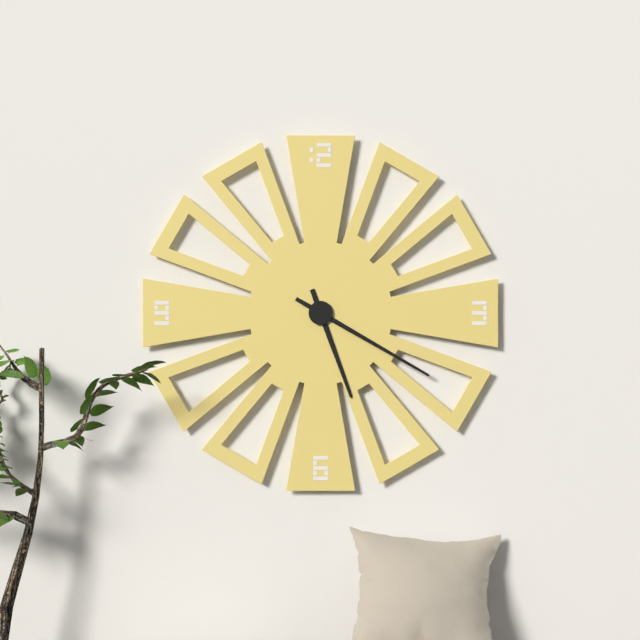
5:20
